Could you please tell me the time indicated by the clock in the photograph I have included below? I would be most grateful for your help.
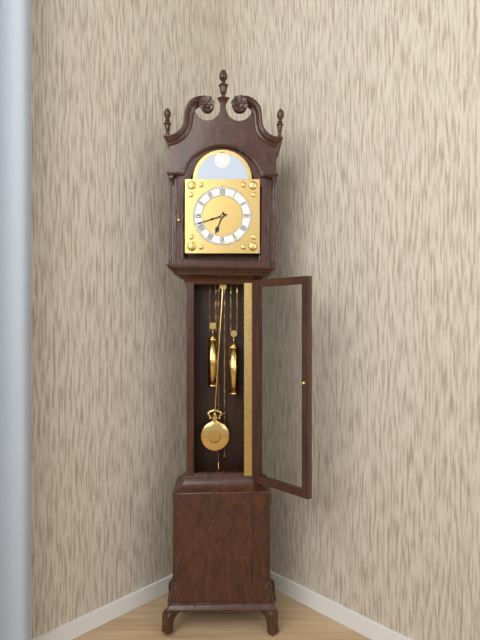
6:42
